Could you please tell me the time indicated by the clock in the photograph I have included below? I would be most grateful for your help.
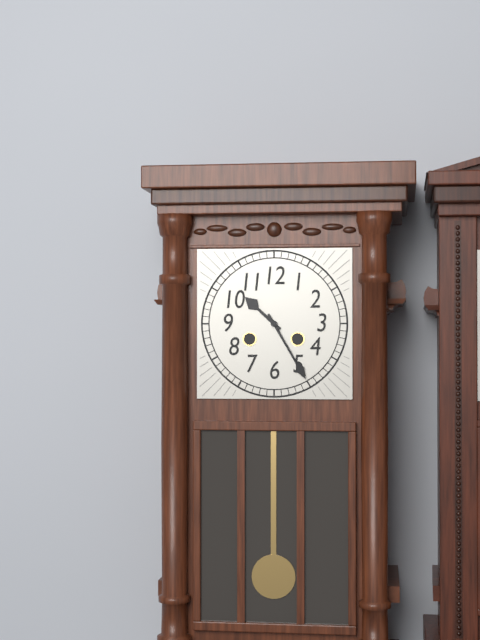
10:25
